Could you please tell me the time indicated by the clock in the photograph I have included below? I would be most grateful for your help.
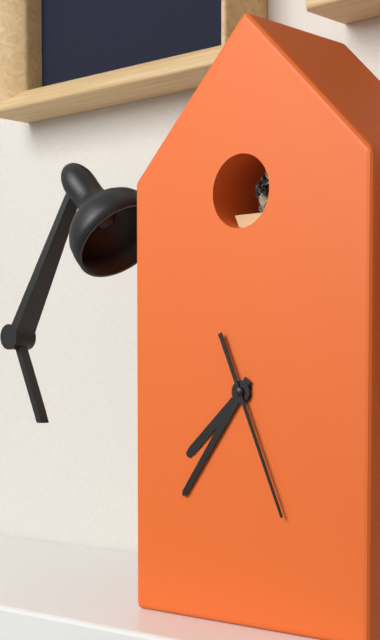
7:36:26
